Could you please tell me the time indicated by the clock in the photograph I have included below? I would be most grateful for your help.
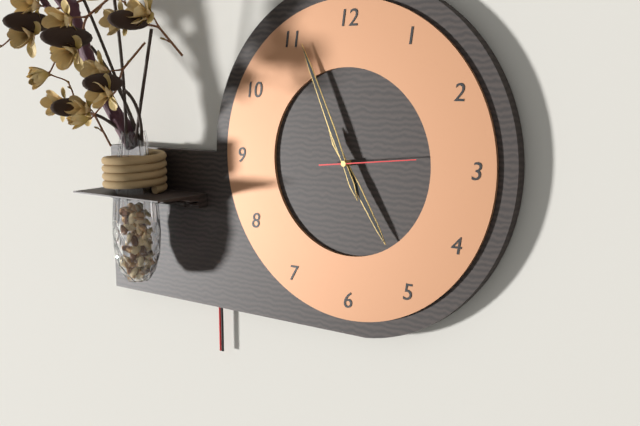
4:56:14
